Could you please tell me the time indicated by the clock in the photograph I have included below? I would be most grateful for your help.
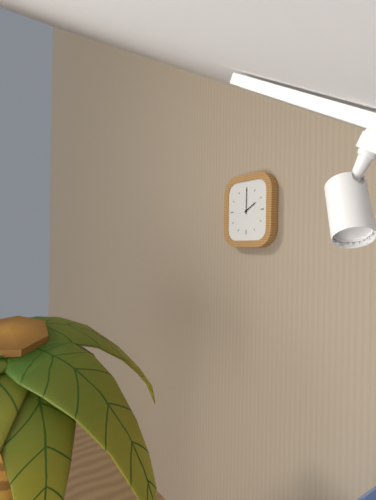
2:00
